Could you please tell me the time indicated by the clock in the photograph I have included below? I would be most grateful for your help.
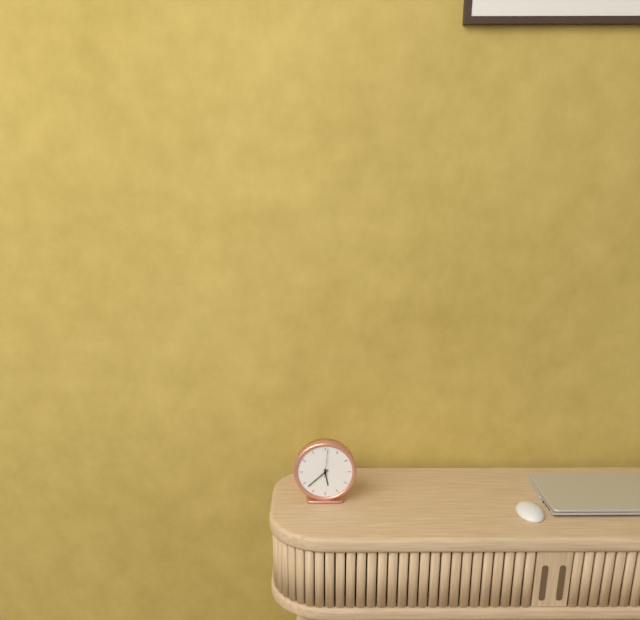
5:38
